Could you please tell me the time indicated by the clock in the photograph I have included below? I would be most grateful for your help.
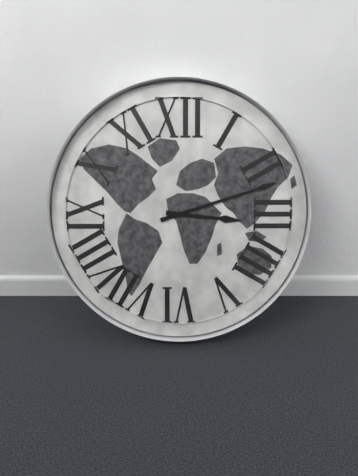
3:12
